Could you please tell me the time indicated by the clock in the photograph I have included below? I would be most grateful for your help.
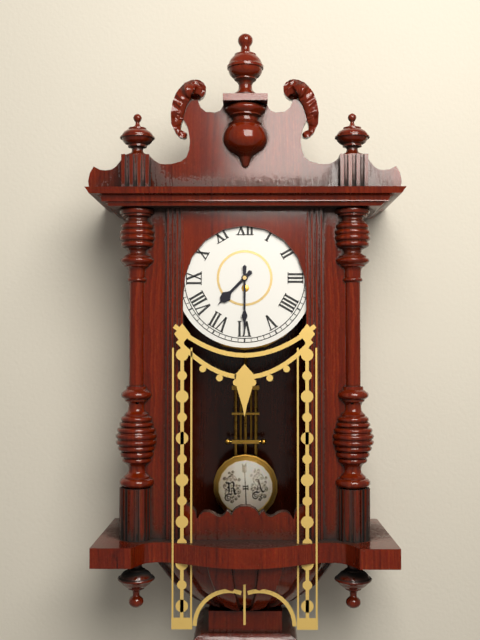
7:30
